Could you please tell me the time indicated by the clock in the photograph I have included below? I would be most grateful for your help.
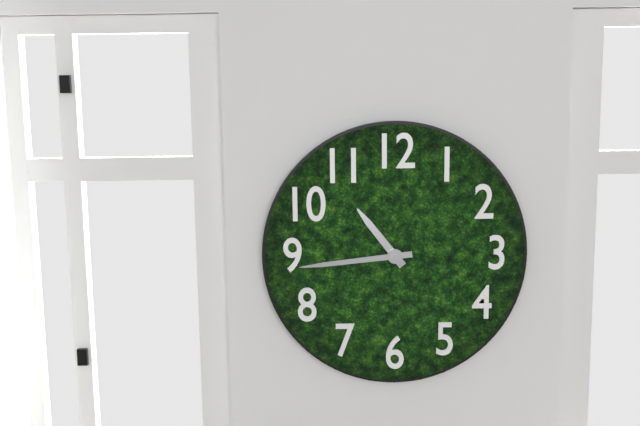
10:44
